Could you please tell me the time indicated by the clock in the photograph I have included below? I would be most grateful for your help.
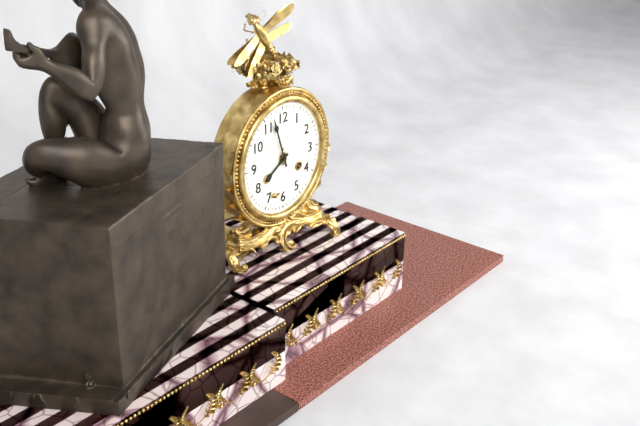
7:57
